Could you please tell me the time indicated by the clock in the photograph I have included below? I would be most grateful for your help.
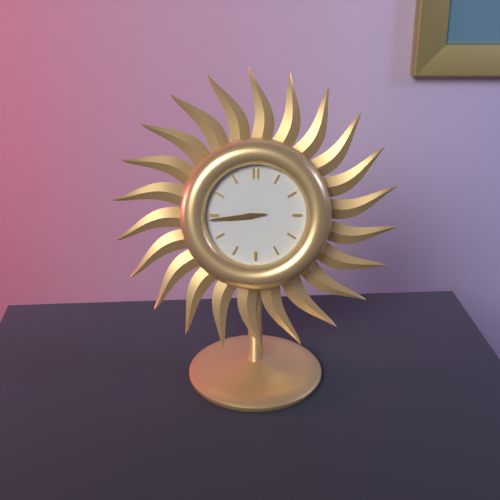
8:44
